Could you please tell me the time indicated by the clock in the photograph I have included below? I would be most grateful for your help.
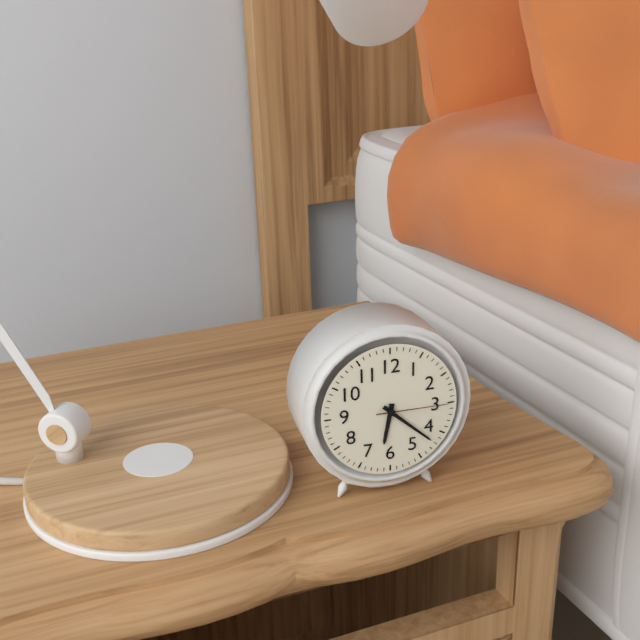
6:22:15
